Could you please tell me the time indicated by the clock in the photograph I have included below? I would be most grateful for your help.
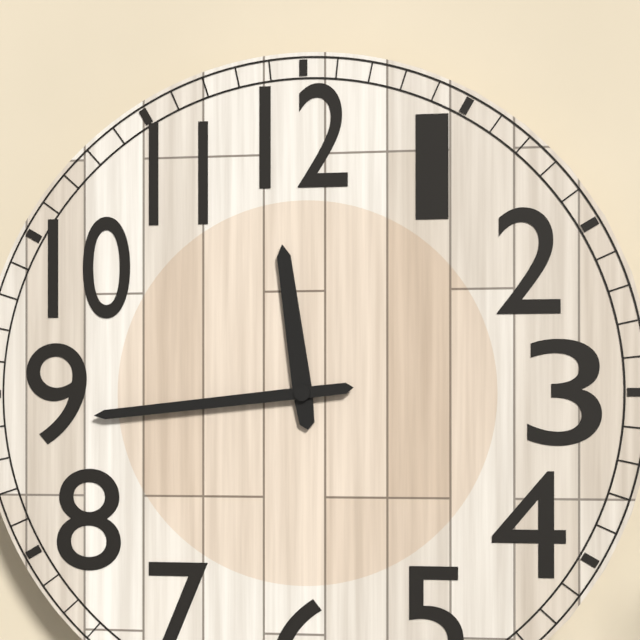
11:44
